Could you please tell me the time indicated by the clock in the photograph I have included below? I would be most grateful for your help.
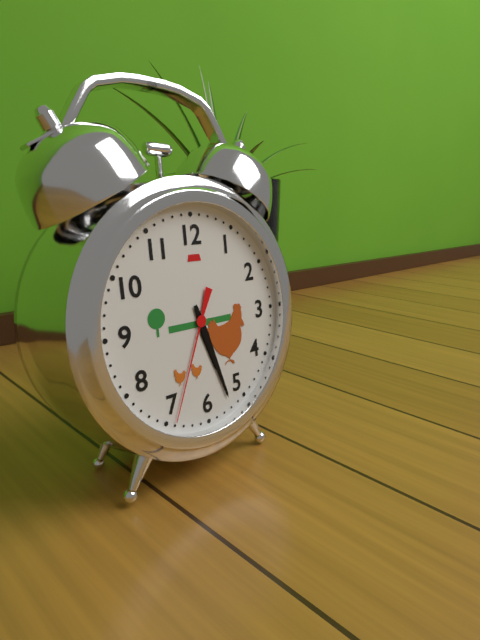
5:27:34
